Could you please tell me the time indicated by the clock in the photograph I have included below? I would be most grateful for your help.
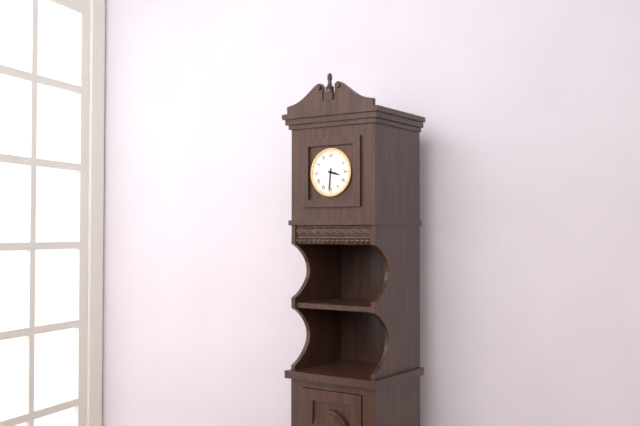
3:31
